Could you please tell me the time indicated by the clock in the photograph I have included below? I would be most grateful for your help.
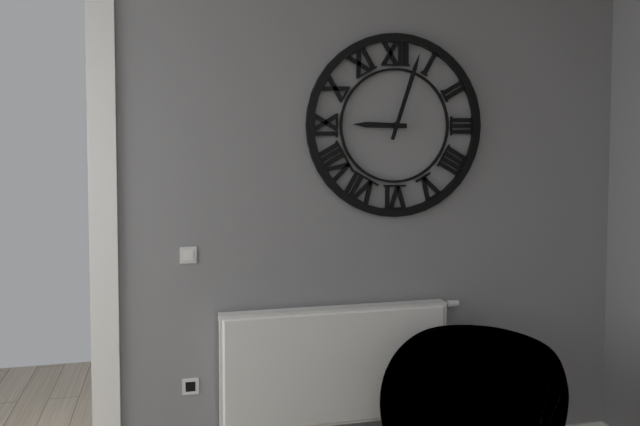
9:03
